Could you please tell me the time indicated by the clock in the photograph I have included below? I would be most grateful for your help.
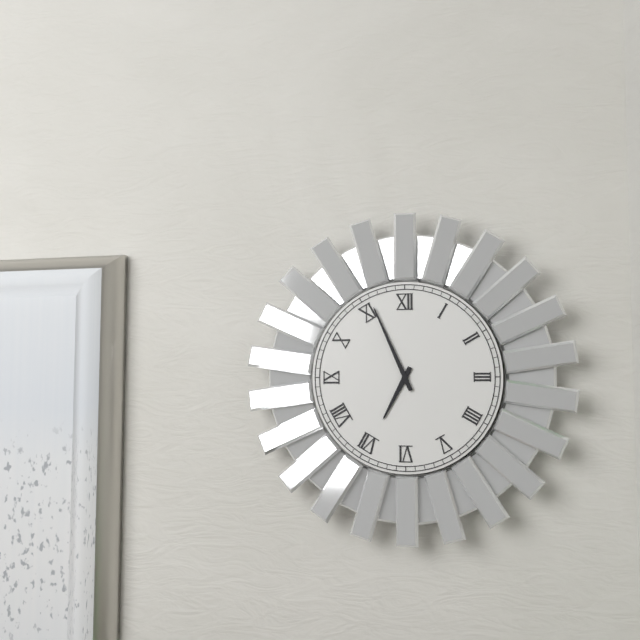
6:56
